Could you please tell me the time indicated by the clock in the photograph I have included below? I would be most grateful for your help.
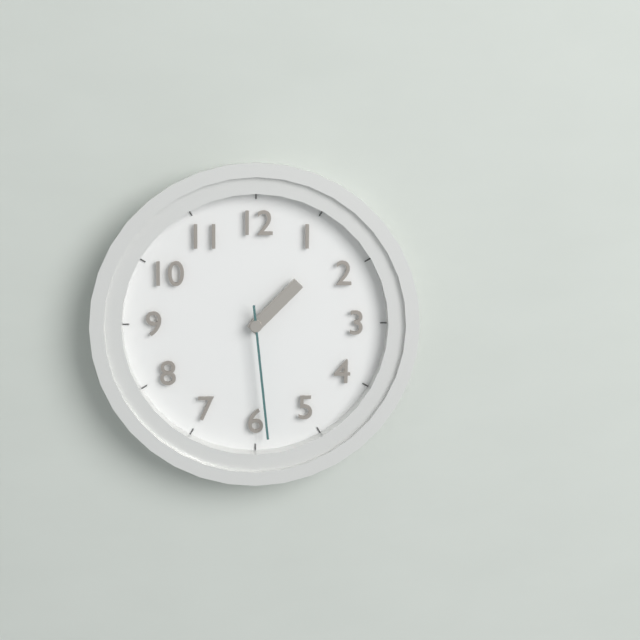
1:29
